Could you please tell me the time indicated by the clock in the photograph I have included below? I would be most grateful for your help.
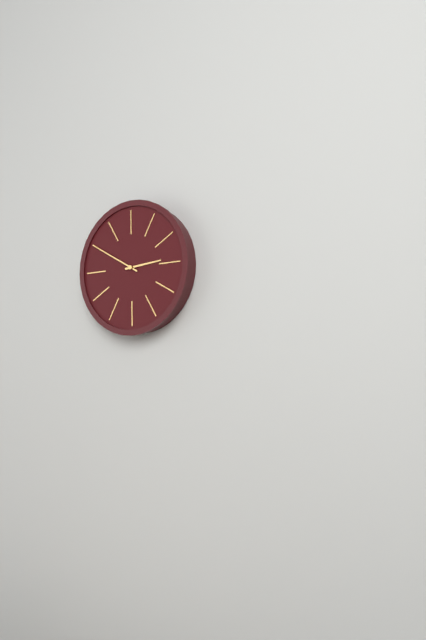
2:50
